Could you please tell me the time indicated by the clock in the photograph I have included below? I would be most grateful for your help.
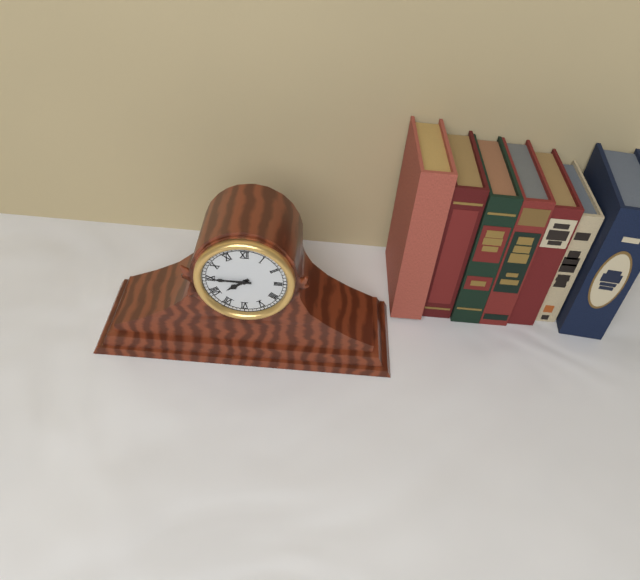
7:45
